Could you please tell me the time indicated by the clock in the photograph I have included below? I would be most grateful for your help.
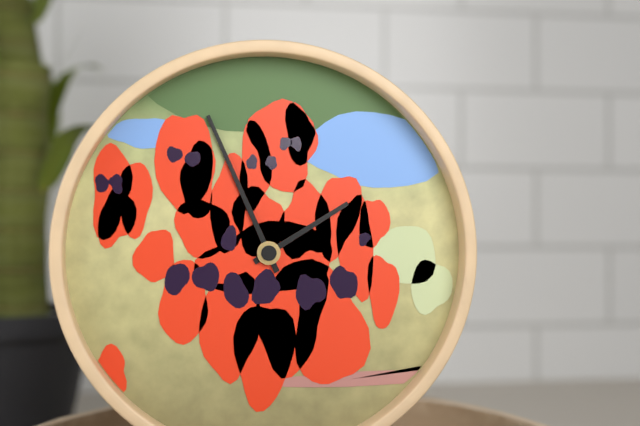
1:56
